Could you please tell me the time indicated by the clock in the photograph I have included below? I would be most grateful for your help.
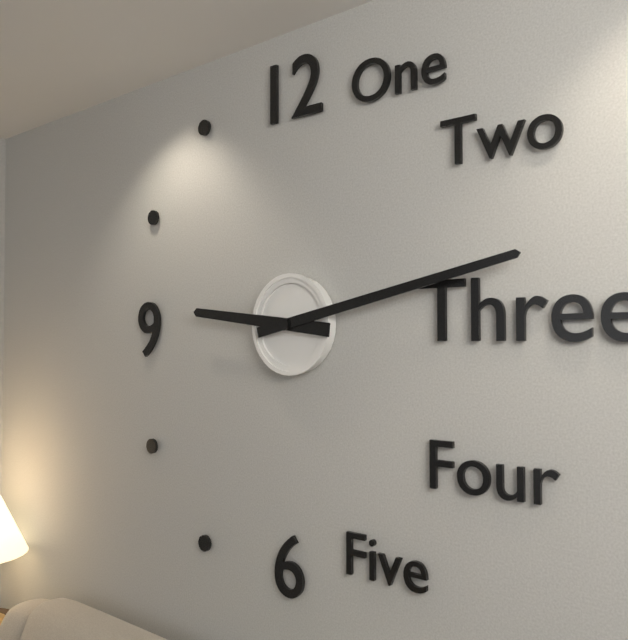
9:13
